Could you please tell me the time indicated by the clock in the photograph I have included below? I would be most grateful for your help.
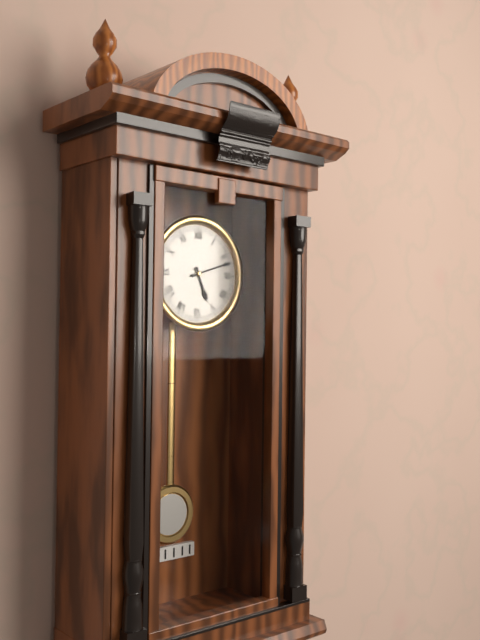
5:12
